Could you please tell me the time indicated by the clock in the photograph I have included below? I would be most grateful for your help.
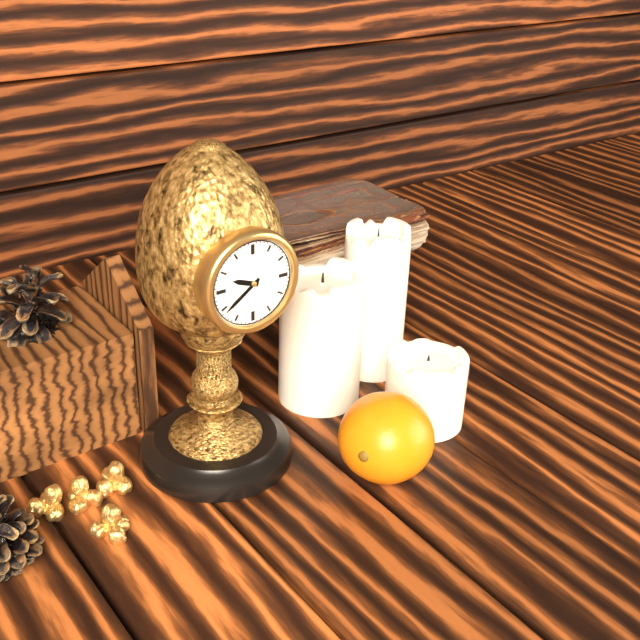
9:39
